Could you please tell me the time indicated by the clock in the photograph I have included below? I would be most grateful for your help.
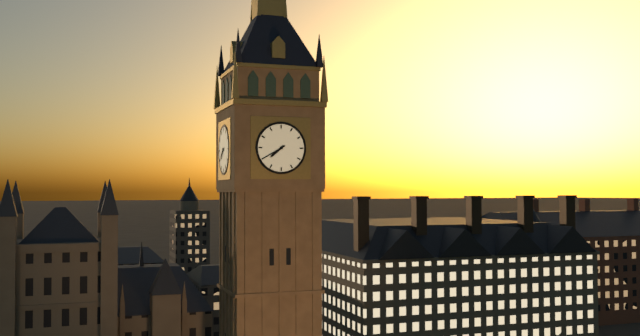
7:40
